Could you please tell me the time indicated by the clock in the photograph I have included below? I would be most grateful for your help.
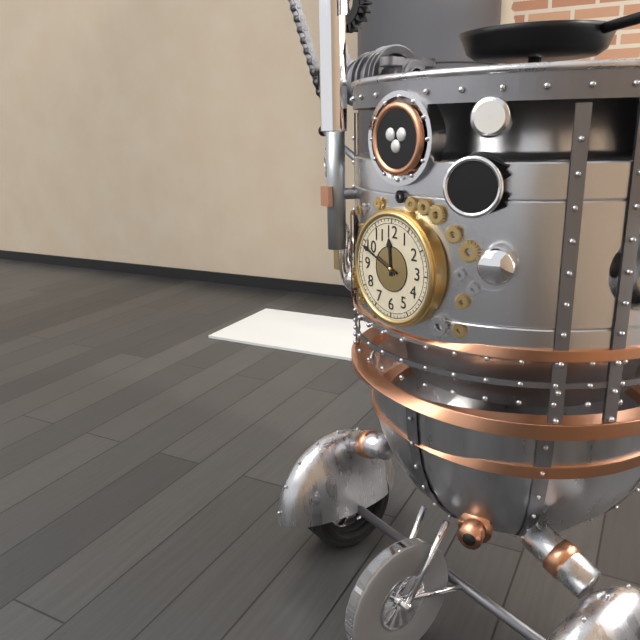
11:49
